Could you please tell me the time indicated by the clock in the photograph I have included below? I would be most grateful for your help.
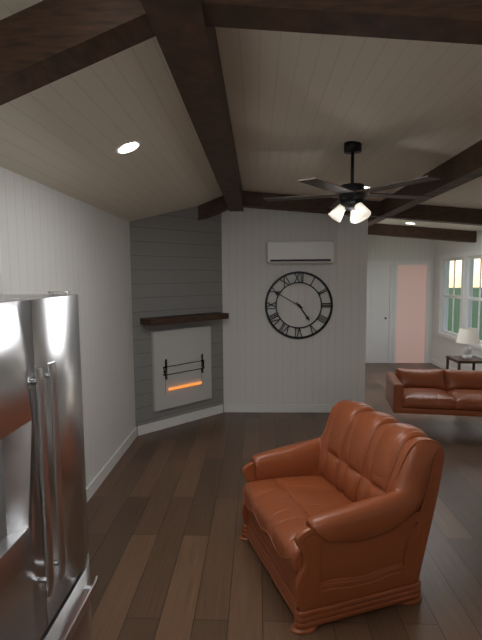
4:50
